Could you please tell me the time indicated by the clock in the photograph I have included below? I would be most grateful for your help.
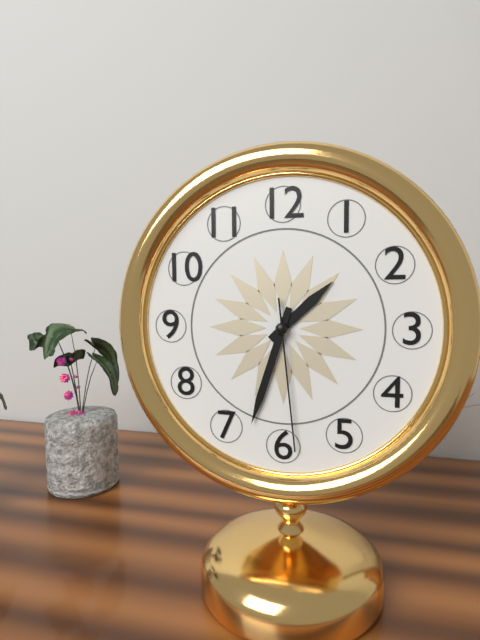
1:33:29
